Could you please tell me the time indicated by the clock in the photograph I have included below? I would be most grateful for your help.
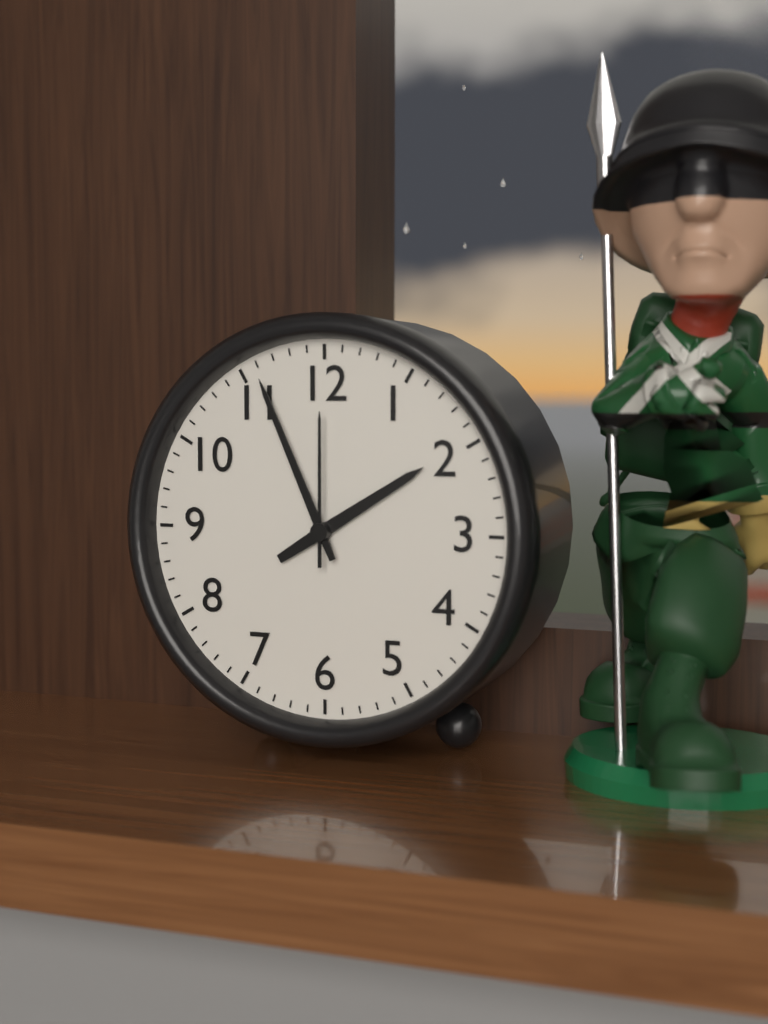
1:56:00
